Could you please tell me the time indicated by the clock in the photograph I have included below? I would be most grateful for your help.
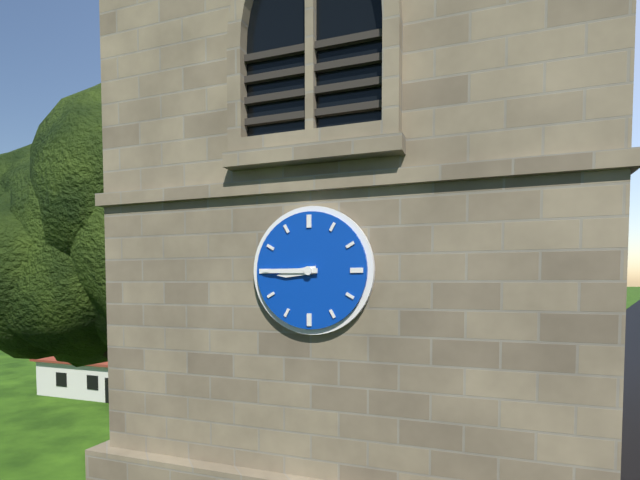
8:45
